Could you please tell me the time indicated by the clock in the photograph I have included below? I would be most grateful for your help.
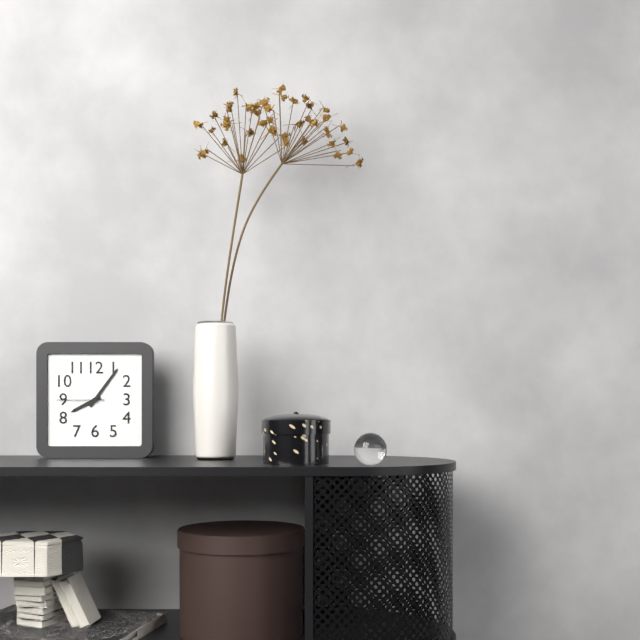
8:06
